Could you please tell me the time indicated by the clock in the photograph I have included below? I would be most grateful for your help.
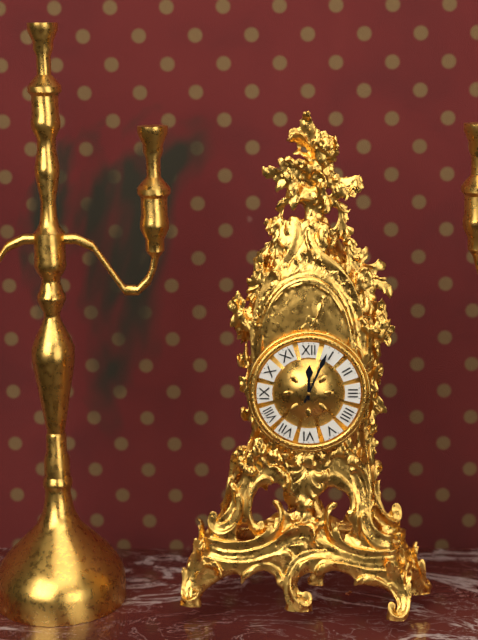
12:04
